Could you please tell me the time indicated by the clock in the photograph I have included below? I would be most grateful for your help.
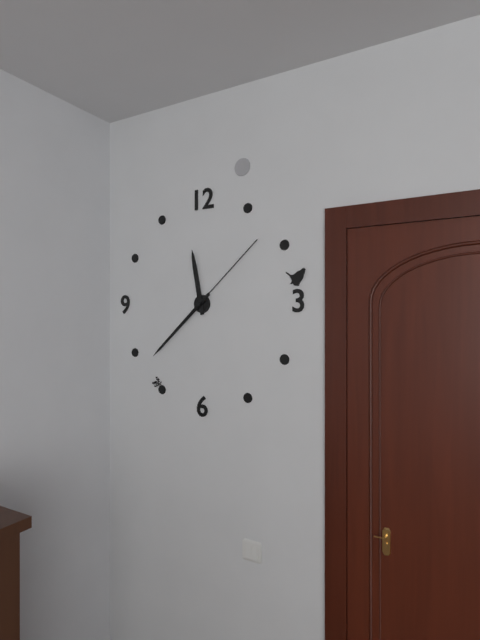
11:38:08
